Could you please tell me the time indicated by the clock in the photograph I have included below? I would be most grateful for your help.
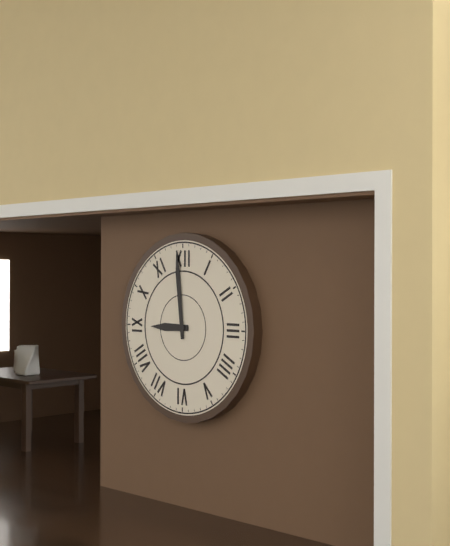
8:59
